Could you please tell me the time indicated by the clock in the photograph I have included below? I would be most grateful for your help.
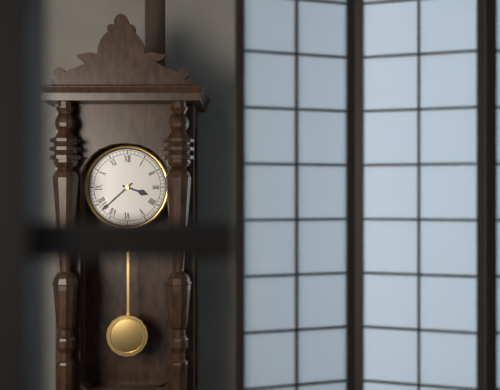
3:38
